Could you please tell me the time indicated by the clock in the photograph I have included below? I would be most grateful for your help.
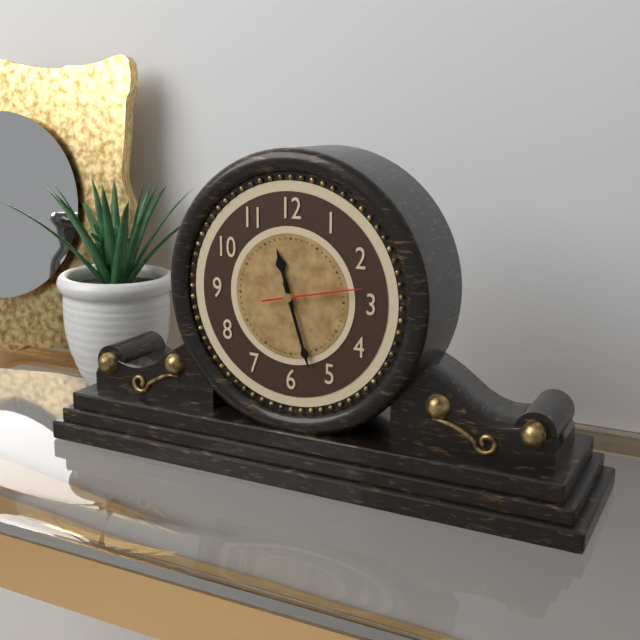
11:27:13
